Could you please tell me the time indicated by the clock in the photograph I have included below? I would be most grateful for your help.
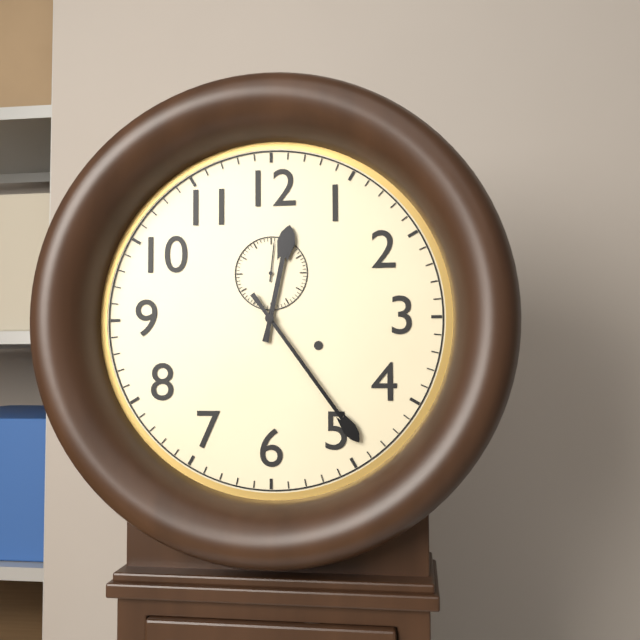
12:24
